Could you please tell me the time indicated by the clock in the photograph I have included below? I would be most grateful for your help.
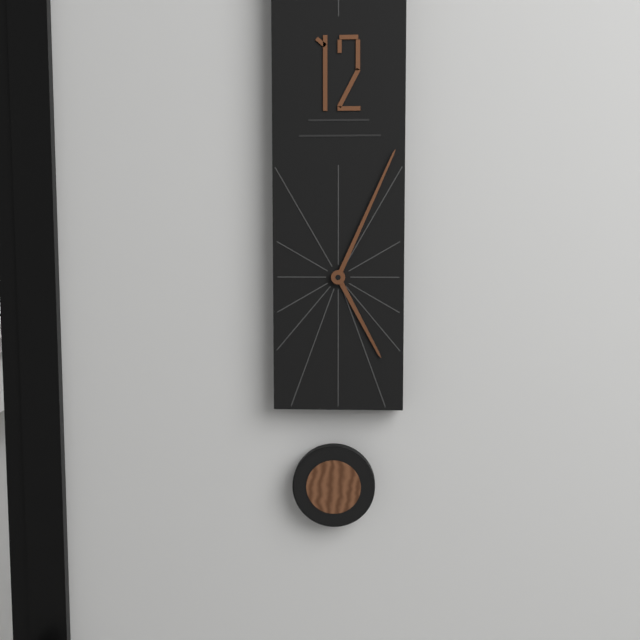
5:04
